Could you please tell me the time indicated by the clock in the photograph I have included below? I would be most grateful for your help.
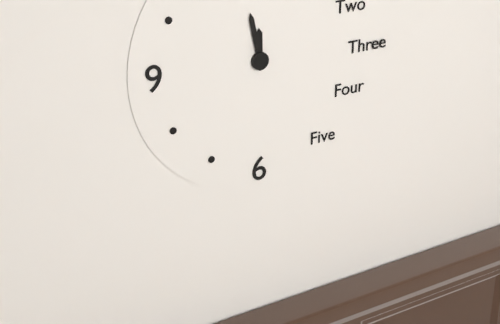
11:58
